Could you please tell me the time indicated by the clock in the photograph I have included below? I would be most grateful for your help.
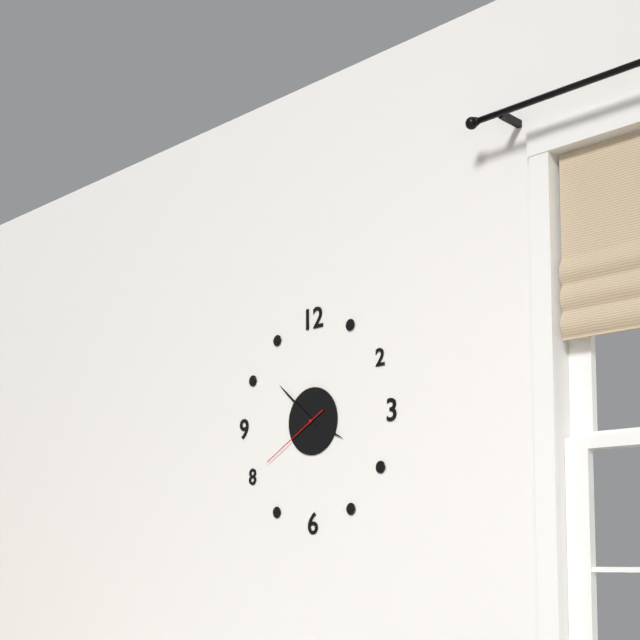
3:52:40
